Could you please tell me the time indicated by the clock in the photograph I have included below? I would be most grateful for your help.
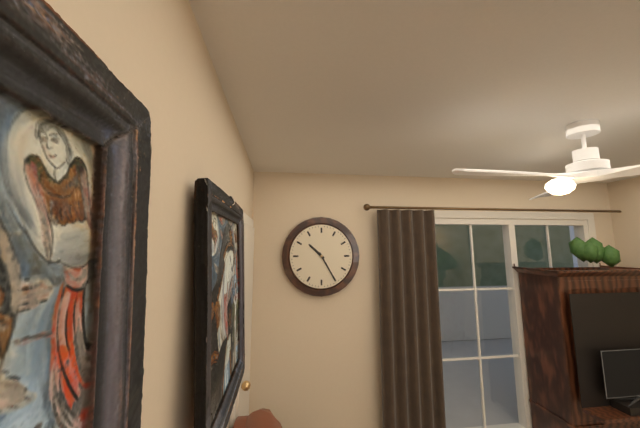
10:25
